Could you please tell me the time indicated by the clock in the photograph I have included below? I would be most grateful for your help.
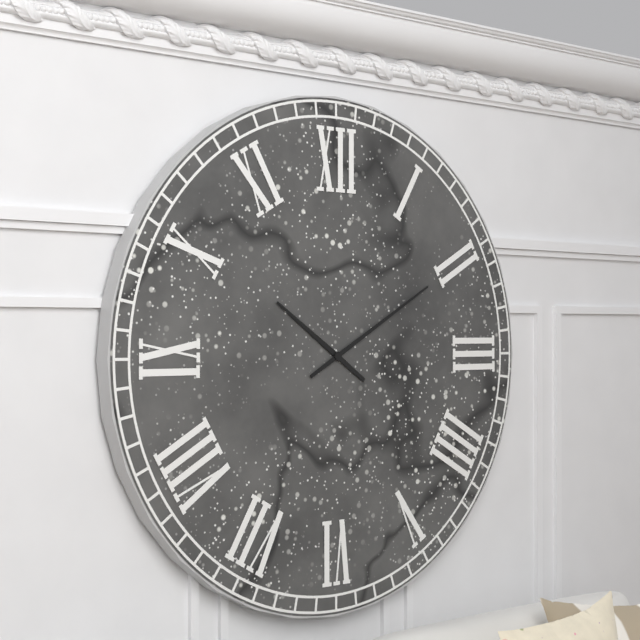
10:10
